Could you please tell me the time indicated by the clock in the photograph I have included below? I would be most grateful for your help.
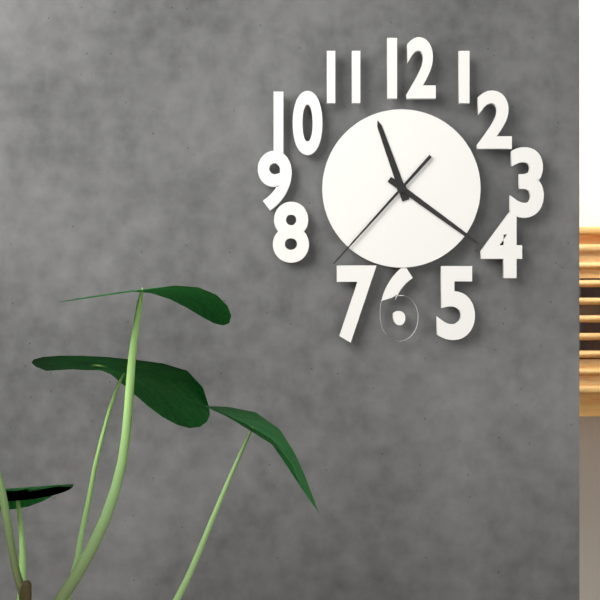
11:21:37
